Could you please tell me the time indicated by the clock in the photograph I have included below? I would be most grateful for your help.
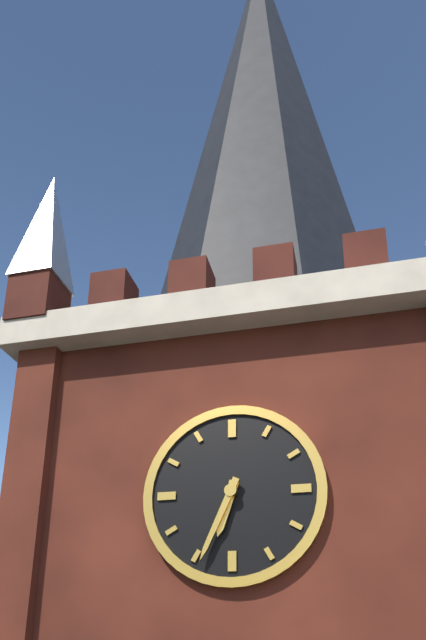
6:34
